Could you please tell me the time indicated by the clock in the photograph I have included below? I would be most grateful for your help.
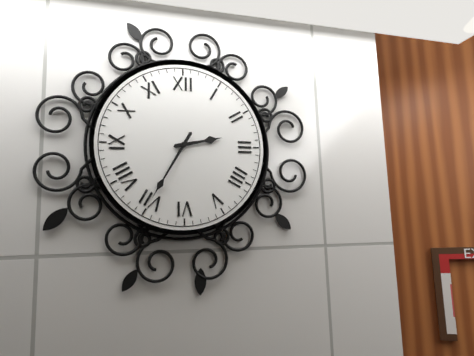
2:35
